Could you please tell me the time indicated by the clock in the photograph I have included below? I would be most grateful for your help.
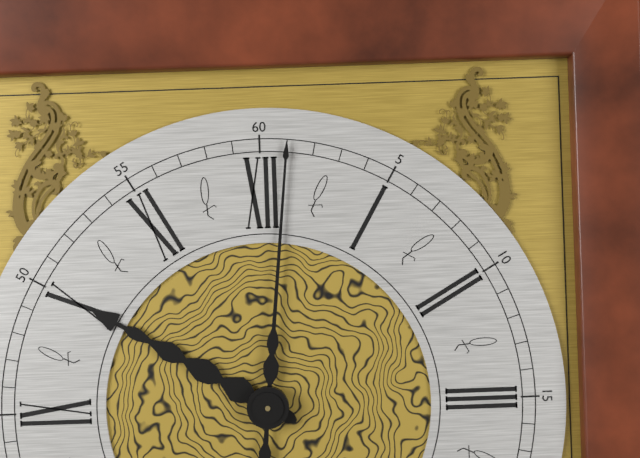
10:01
